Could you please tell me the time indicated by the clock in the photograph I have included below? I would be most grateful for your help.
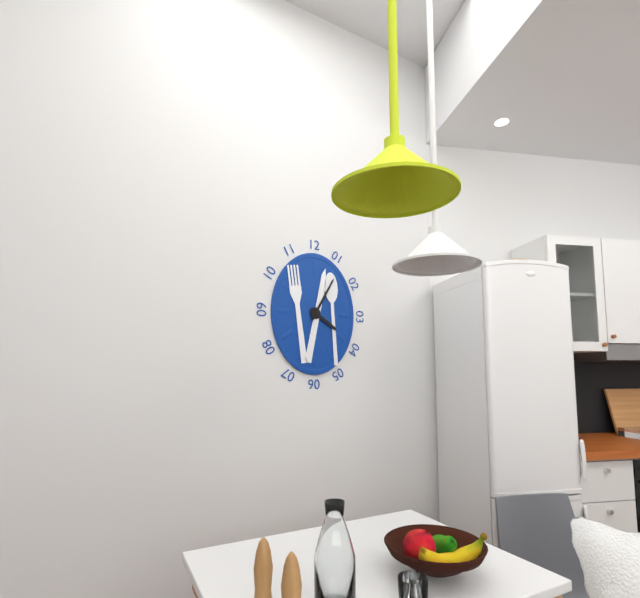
4:05
